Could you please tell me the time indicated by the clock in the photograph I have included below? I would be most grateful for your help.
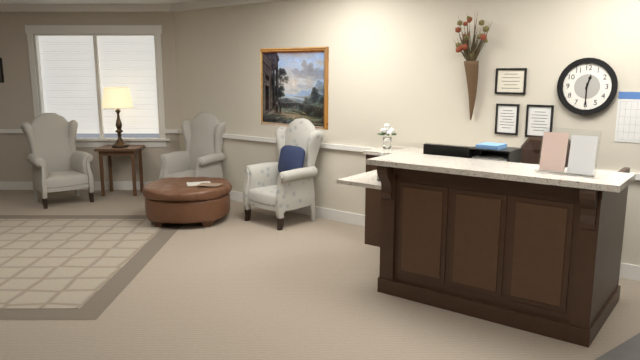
12:30
